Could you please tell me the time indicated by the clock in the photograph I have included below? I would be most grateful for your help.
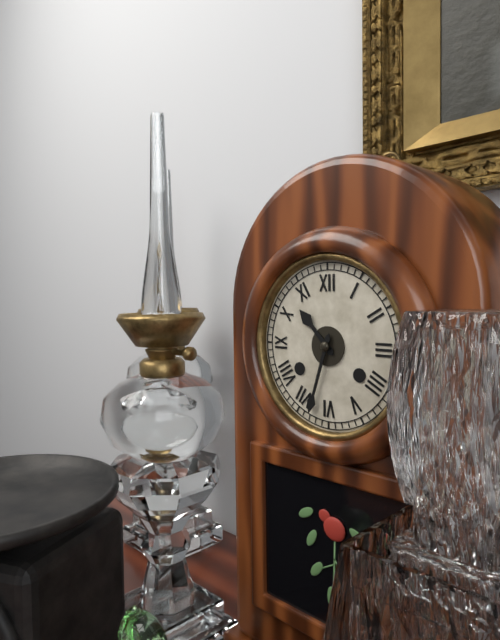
10:33
